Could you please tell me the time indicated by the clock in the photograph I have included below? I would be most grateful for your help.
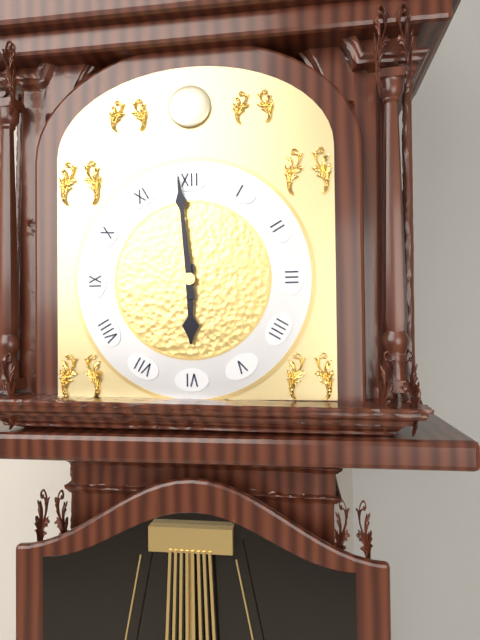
5:59
